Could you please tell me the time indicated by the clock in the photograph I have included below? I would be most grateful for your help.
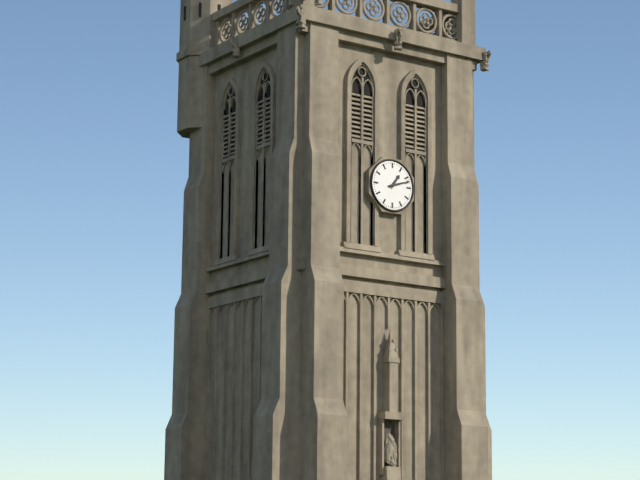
1:12
